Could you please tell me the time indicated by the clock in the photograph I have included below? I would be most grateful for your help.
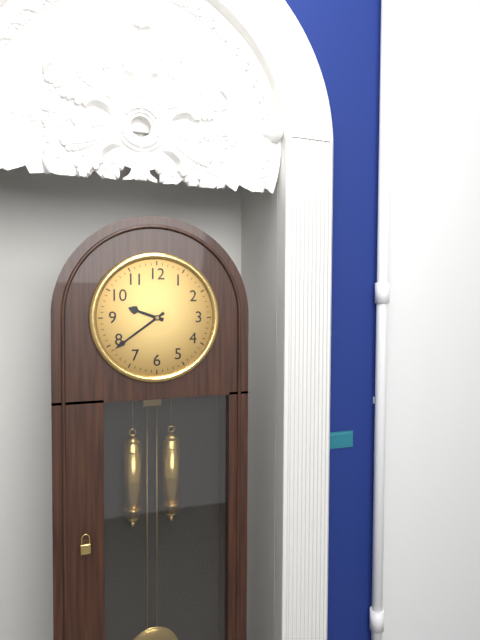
9:39
